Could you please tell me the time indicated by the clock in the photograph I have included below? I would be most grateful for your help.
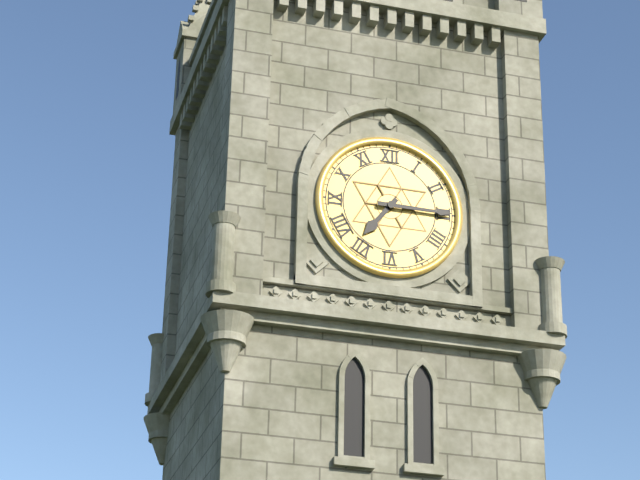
7:15
